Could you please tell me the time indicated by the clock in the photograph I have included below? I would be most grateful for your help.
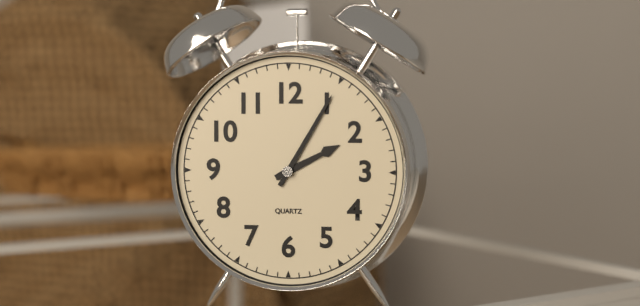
2:05
